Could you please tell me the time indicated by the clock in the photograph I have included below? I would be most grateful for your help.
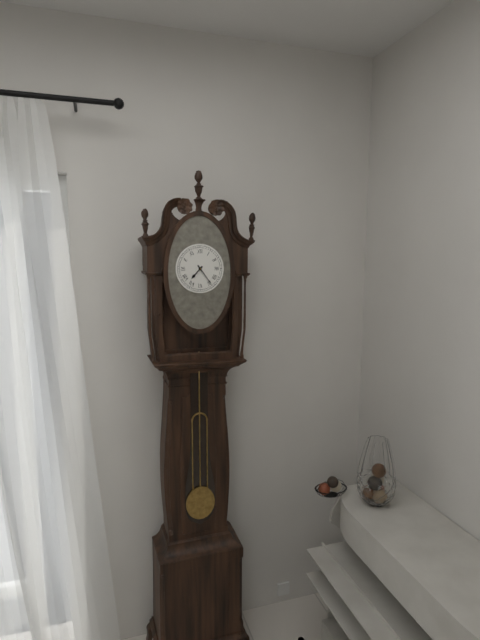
7:24
